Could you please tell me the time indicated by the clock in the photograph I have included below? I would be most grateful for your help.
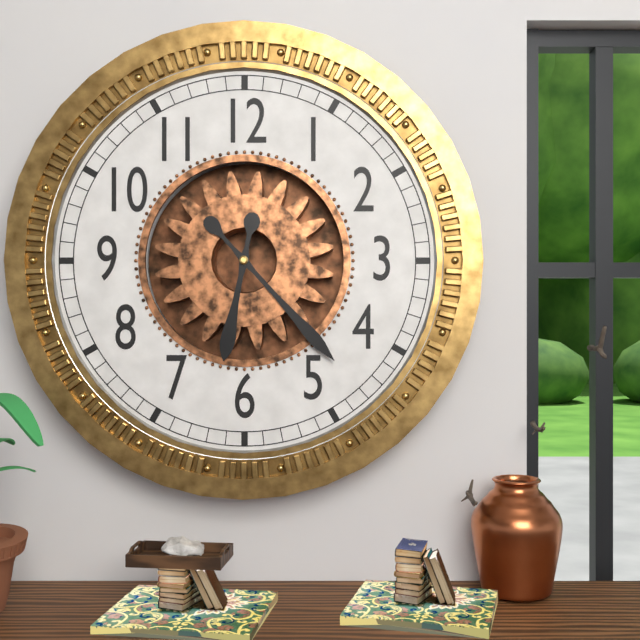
6:23
